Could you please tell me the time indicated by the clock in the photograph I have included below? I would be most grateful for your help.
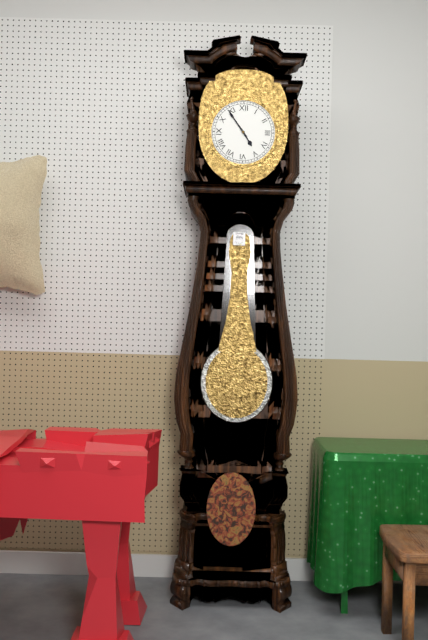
4:54
